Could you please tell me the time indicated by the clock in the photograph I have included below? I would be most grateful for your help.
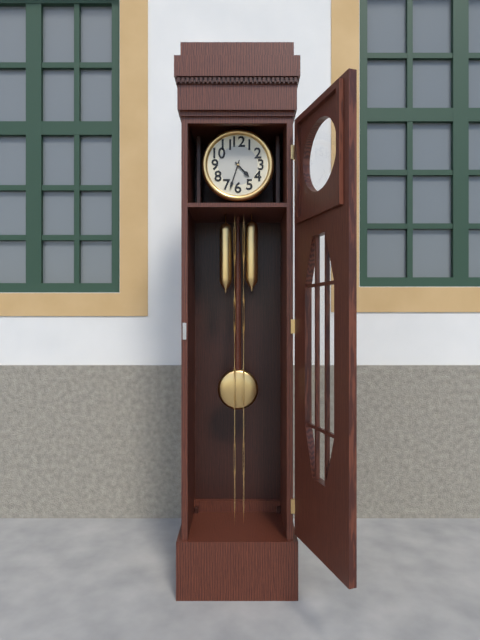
4:33
